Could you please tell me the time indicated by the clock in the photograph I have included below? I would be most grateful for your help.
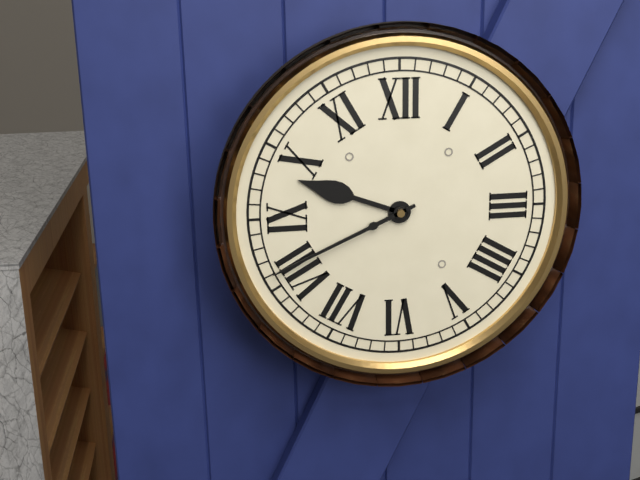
9:41
